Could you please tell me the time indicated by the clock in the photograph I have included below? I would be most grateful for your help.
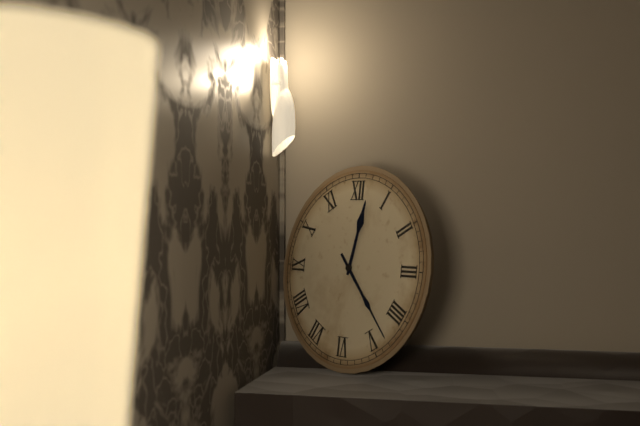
12:23
